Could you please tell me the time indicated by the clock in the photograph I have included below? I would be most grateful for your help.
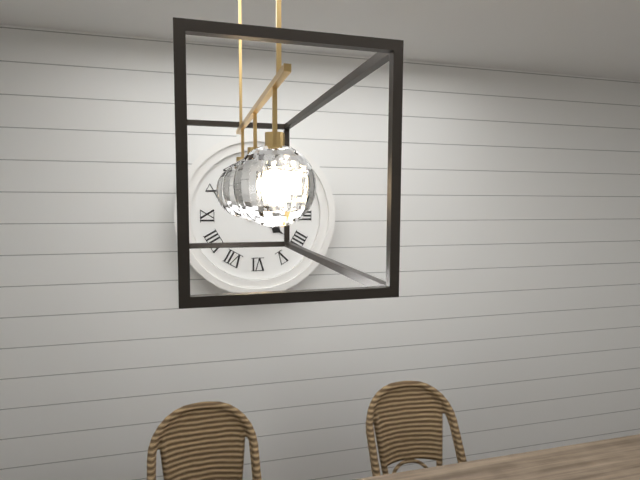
4:11
